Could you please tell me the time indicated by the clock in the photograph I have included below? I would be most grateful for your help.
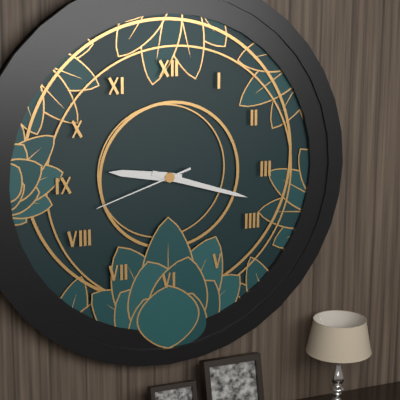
9:18:42
